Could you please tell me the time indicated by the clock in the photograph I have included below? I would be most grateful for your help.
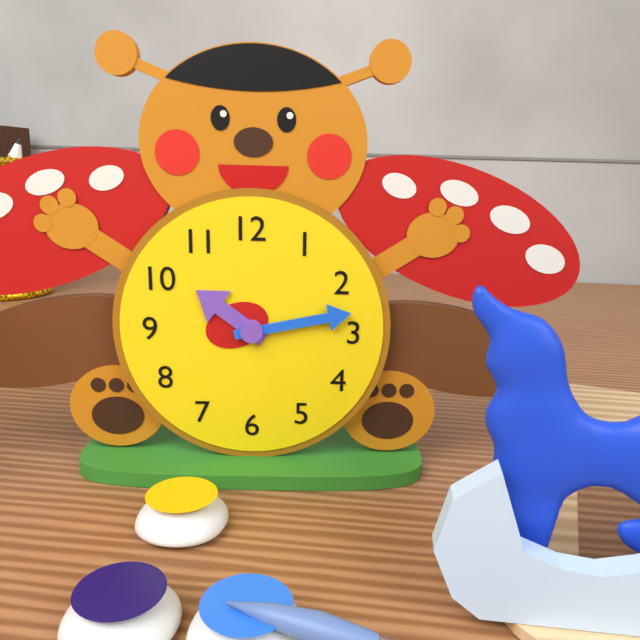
10:13
